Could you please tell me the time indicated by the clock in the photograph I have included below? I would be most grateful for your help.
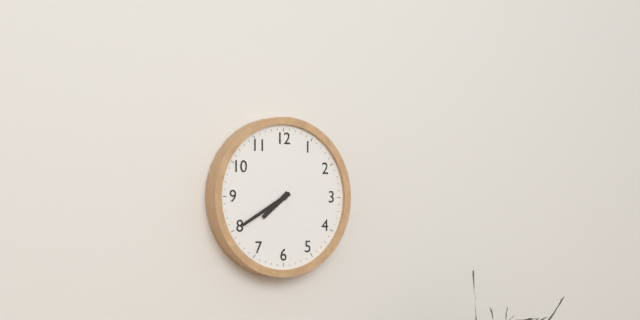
7:40
